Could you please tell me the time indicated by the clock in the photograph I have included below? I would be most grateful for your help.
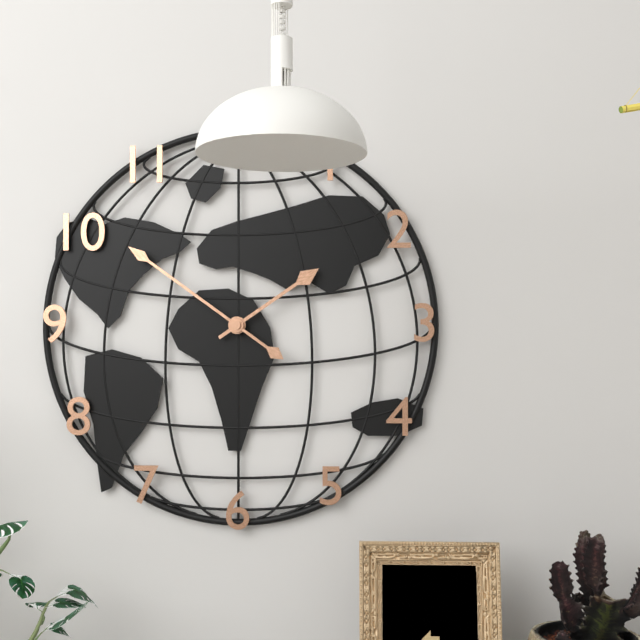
1:51
